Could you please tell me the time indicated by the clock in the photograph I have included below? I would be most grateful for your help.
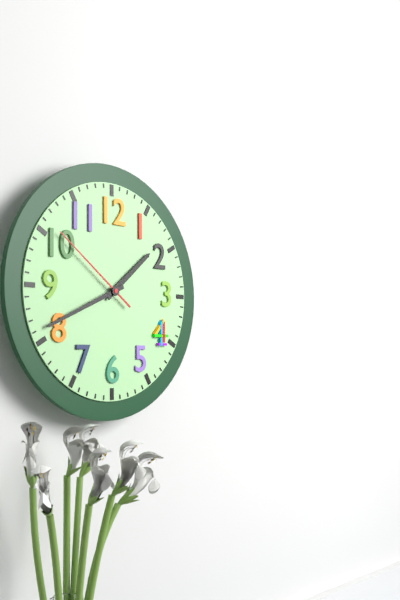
1:41:51
